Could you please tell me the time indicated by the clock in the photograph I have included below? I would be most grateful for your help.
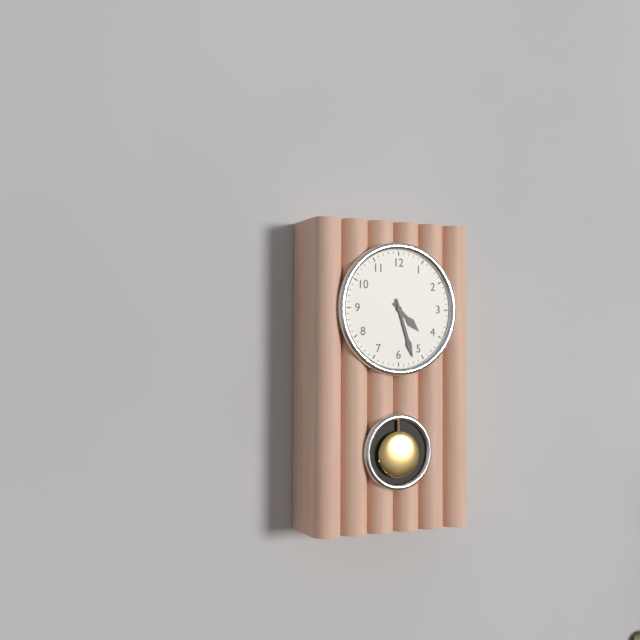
4:27
